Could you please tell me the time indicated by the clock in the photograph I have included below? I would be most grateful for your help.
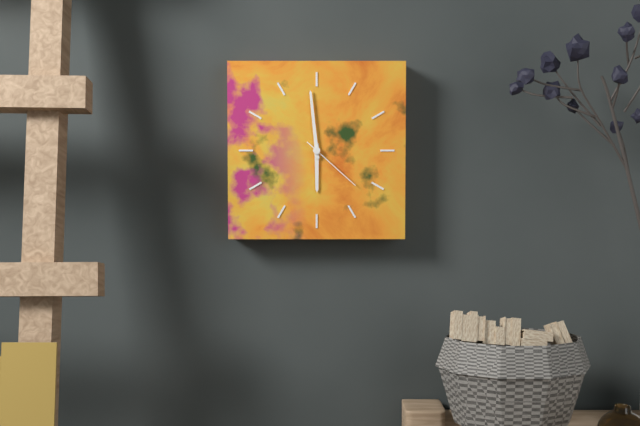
5:59:22
